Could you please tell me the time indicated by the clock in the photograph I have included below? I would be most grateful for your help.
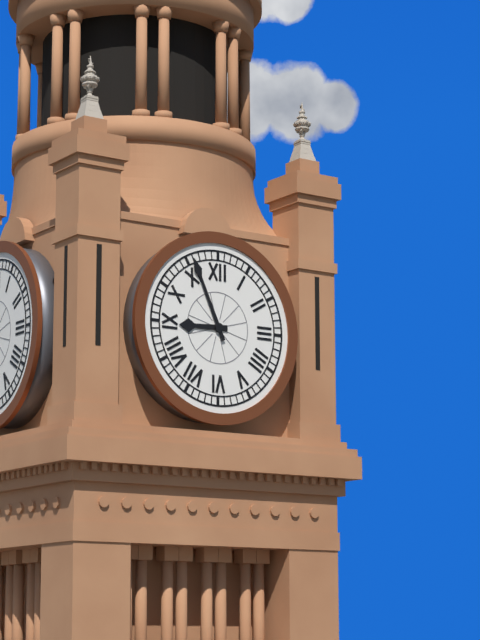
8:56
